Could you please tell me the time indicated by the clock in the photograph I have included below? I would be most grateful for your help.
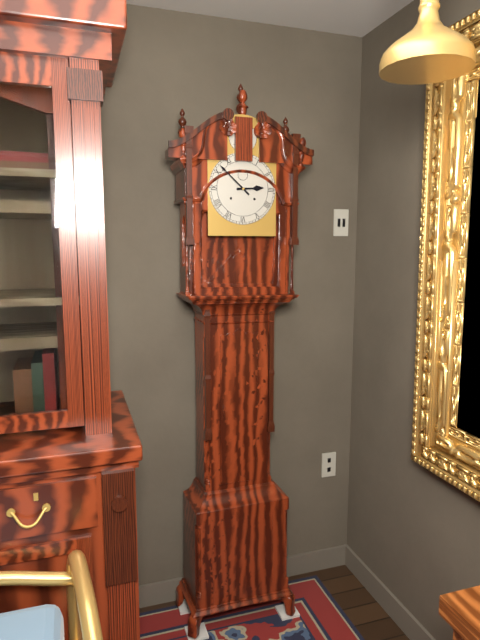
2:52
